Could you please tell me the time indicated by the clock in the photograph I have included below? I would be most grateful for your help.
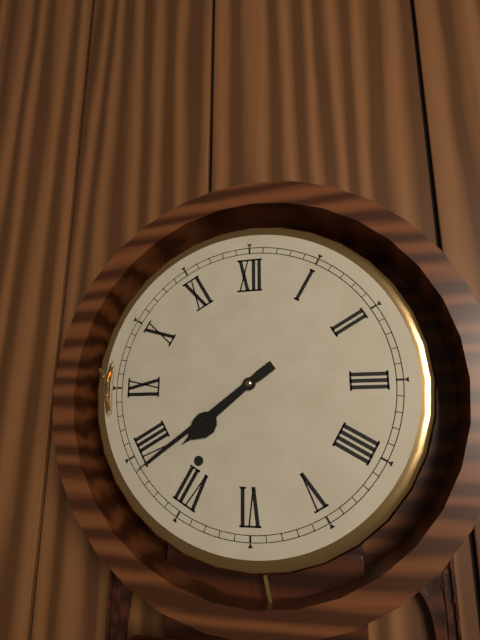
7:39
